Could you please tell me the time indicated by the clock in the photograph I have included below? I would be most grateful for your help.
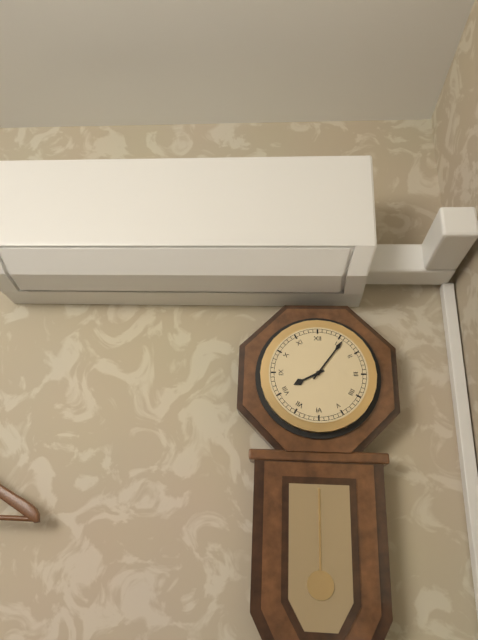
8:06
